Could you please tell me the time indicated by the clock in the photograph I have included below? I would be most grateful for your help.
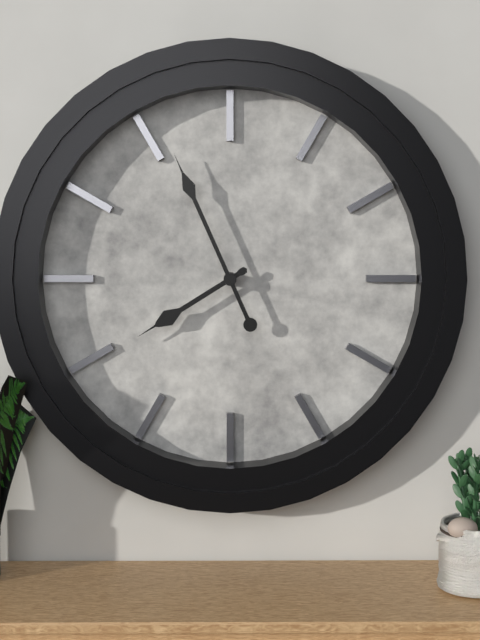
7:56
